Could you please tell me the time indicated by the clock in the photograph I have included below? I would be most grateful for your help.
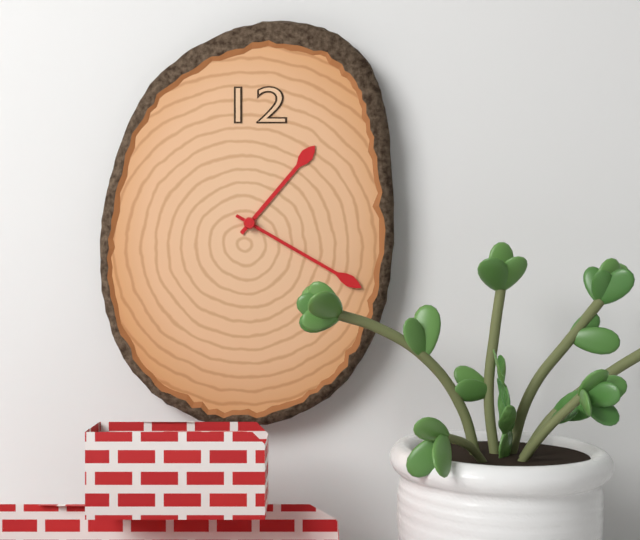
1:20:20
